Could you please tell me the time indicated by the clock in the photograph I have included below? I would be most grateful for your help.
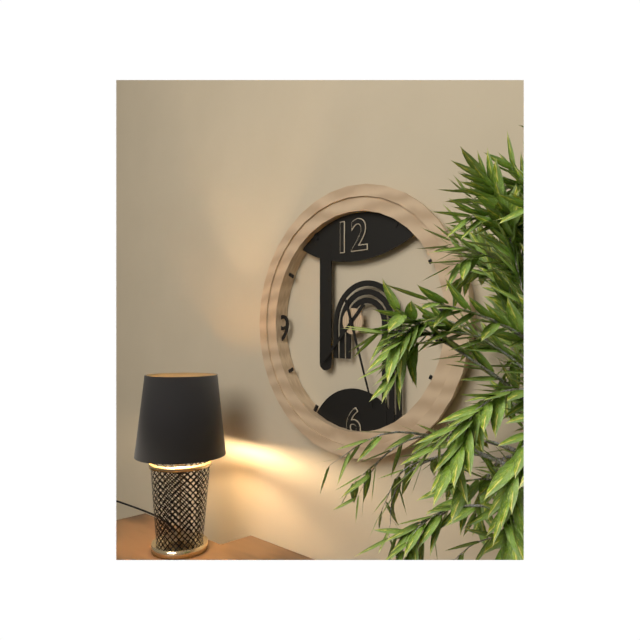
7:27
